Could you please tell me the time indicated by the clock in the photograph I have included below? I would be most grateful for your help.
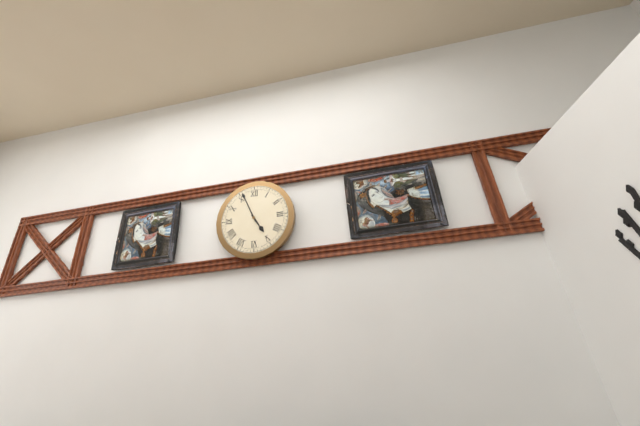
4:56
